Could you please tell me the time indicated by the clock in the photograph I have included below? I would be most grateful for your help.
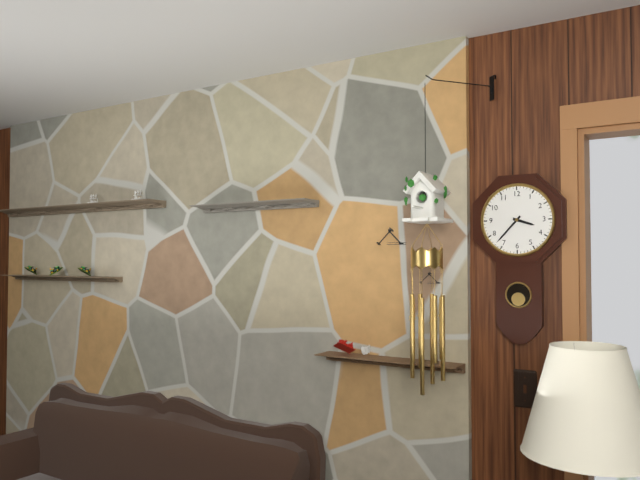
3:37
